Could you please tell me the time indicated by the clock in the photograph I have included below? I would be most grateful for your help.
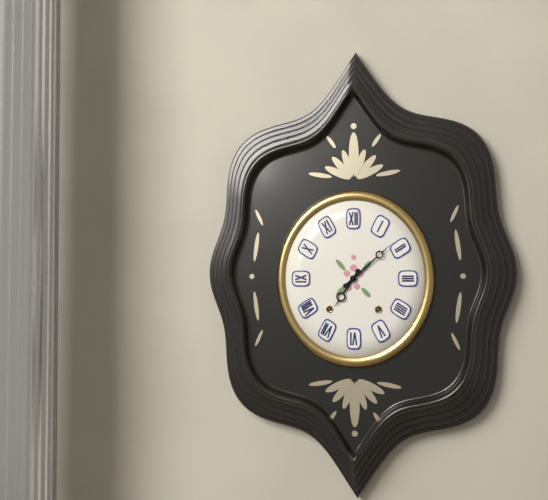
7:08
